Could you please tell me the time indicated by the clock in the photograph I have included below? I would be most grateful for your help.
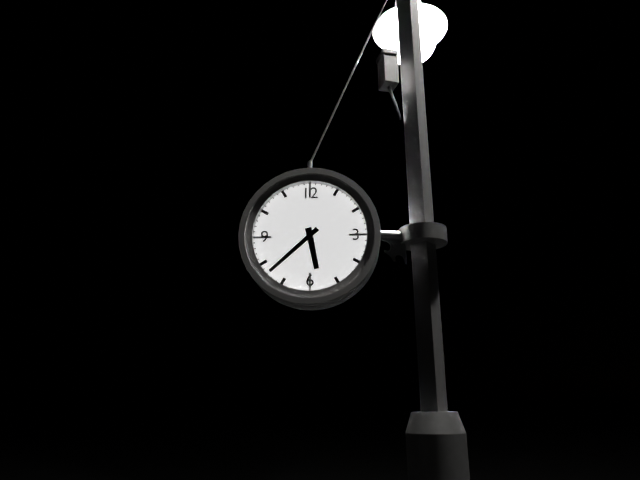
5:38
